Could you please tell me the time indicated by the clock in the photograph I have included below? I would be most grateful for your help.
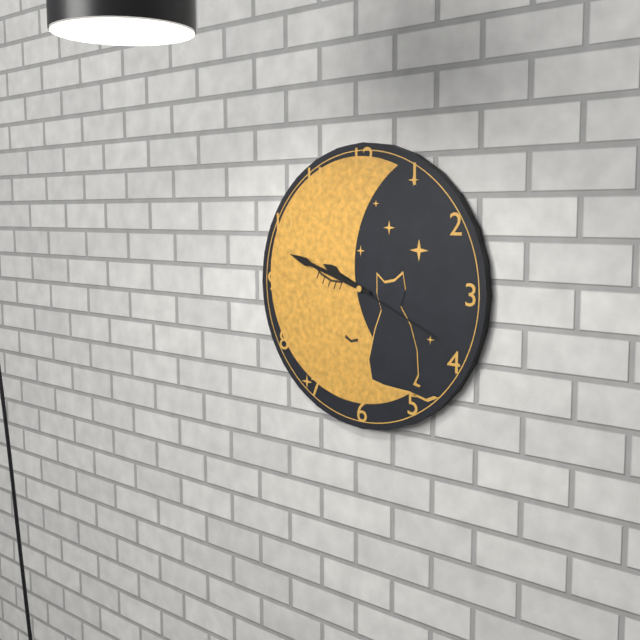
9:48:19
